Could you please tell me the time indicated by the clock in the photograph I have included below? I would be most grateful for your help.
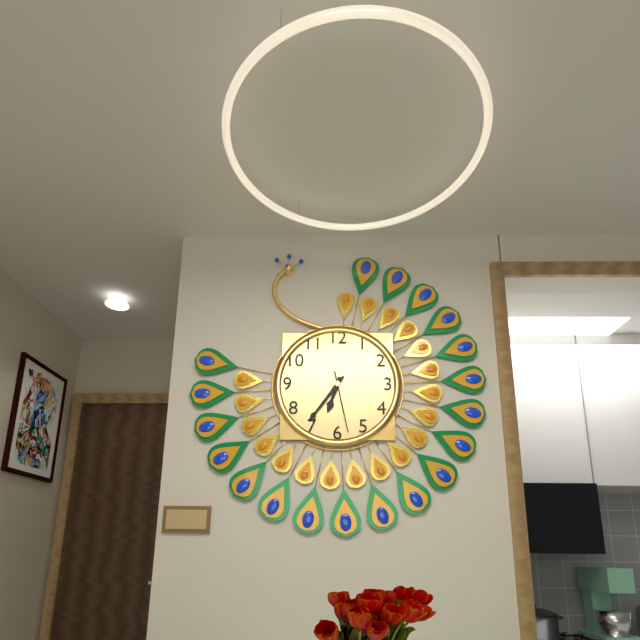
6:36:28
